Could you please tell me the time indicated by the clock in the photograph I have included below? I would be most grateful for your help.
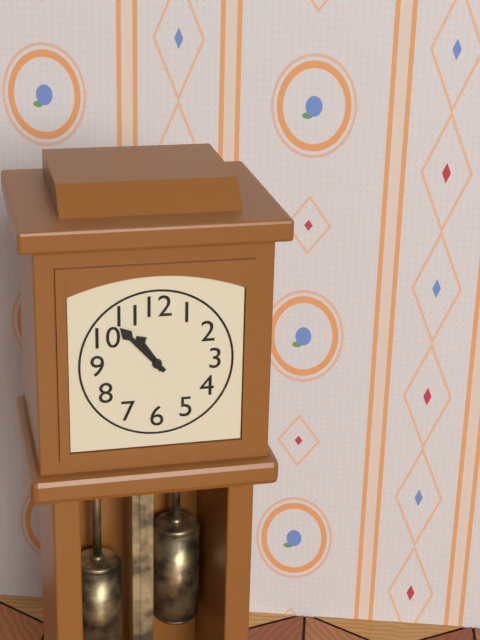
10:53
